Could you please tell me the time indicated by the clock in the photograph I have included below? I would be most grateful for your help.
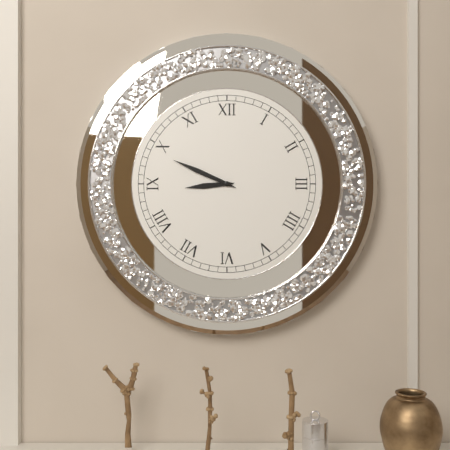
8:49
